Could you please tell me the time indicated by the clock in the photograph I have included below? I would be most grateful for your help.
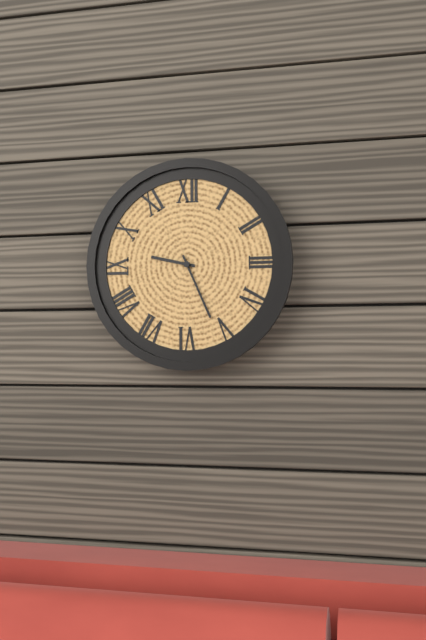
9:26
